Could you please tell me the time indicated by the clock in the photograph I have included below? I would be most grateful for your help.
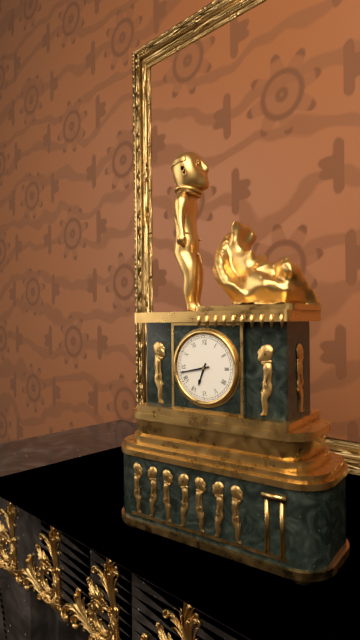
6:43
